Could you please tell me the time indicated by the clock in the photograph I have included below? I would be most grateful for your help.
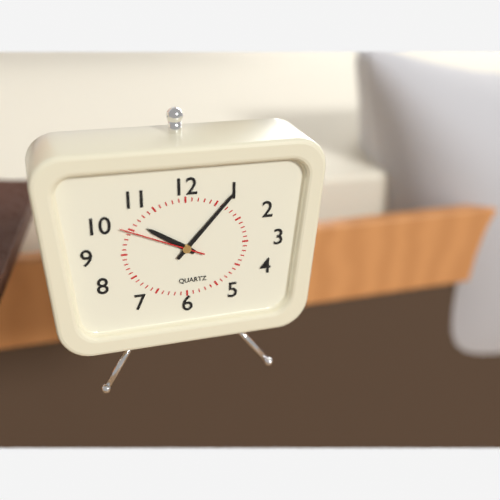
10:07:49
